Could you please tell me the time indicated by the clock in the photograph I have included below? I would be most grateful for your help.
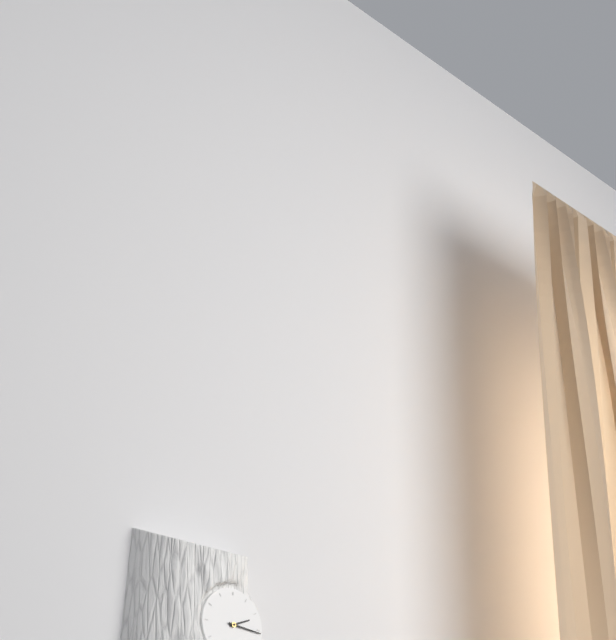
2:16
